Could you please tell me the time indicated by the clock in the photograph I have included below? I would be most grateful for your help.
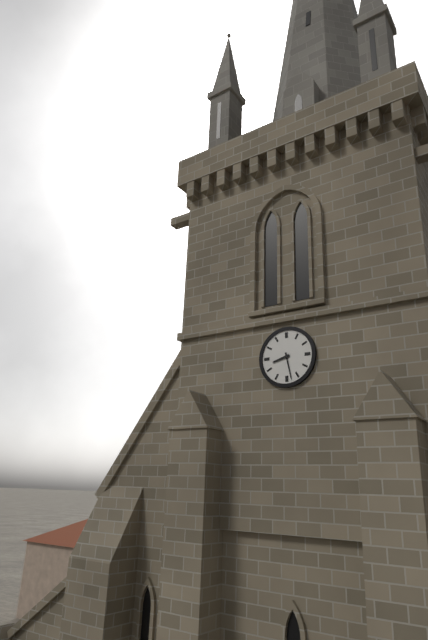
8:28
